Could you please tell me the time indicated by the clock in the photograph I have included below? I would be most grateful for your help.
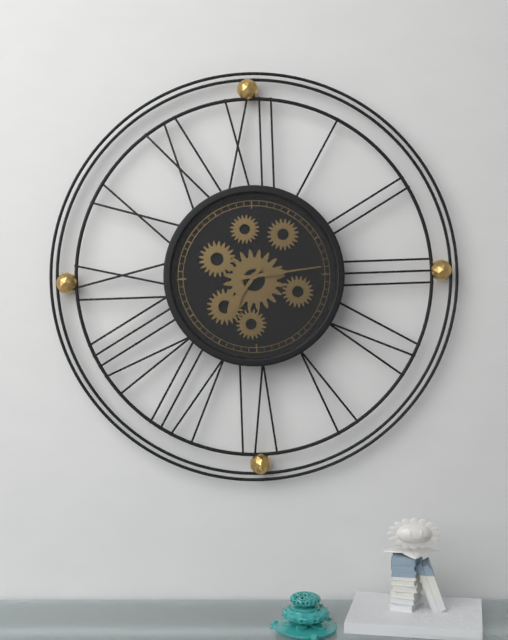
7:14
